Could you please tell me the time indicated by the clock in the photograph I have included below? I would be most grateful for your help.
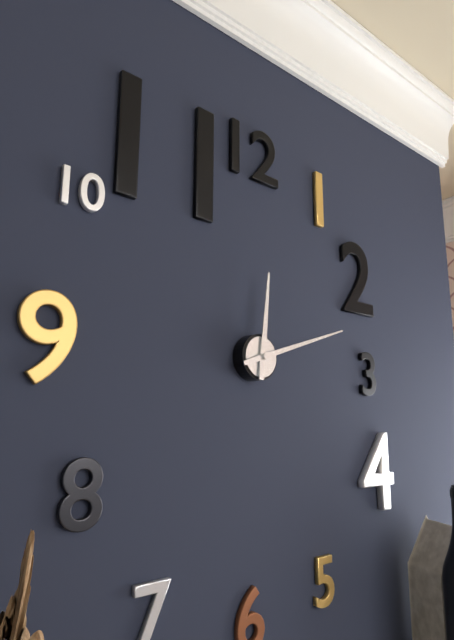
12:12
